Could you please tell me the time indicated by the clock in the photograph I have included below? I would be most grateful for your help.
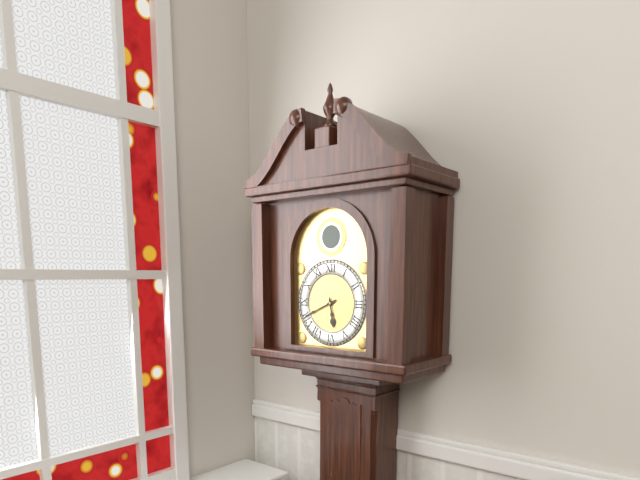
5:41
